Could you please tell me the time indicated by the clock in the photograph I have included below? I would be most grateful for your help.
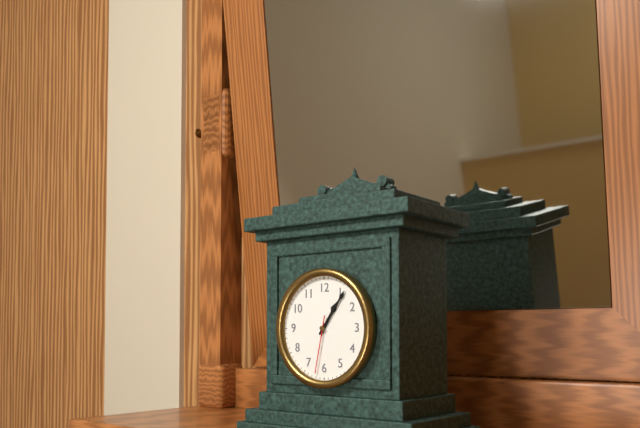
1:06:32
